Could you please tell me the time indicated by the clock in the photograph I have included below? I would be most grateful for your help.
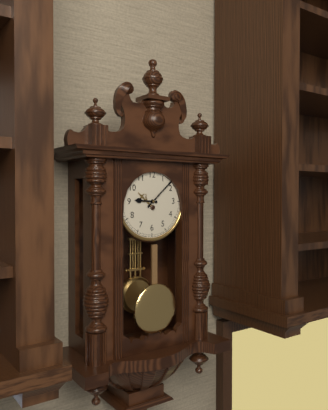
9:08
